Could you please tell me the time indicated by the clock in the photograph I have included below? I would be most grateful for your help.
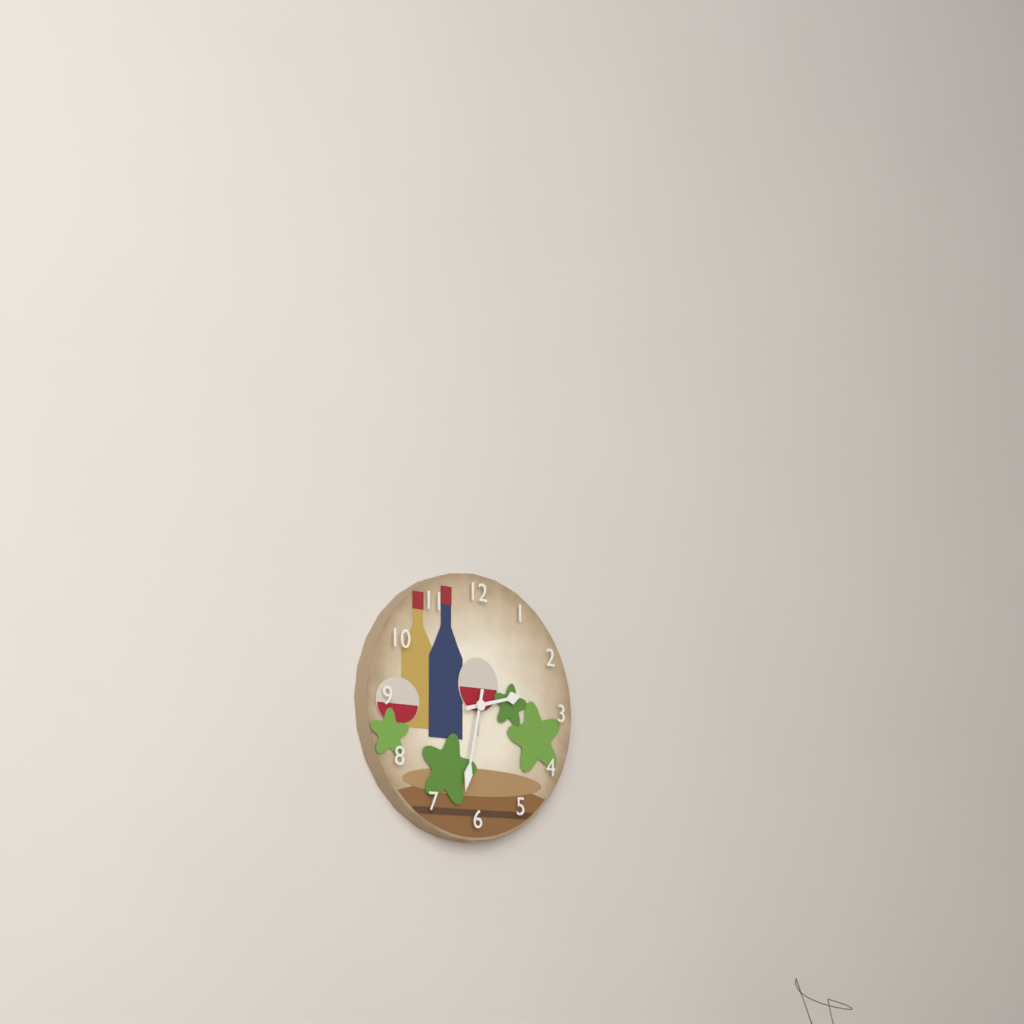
2:32
